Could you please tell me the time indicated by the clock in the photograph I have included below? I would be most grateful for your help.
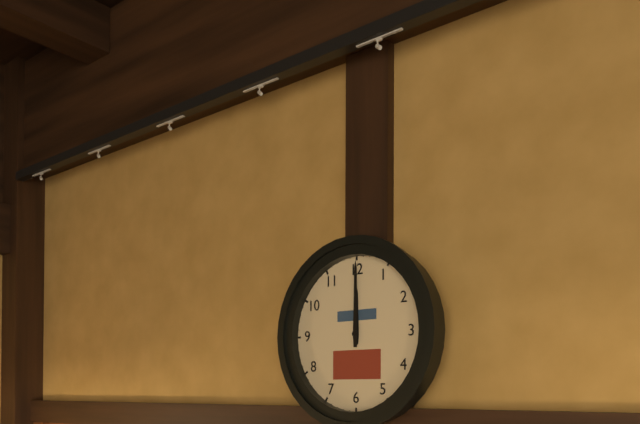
12:00
